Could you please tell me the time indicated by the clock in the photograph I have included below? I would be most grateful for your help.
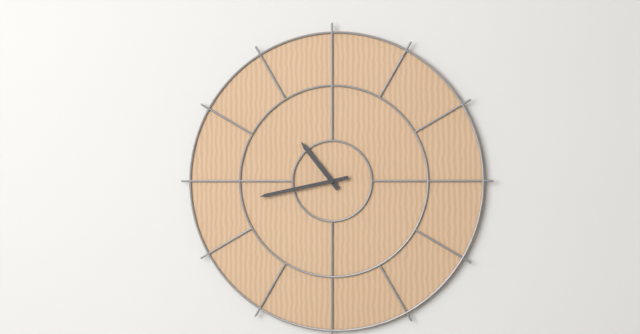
10:43
